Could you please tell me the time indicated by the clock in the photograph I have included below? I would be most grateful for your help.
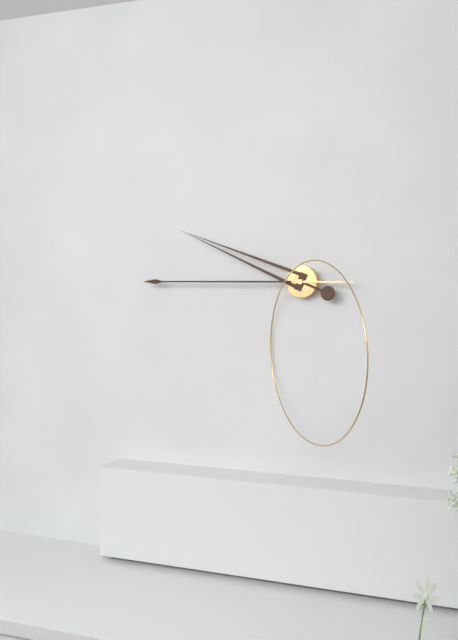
9:45
